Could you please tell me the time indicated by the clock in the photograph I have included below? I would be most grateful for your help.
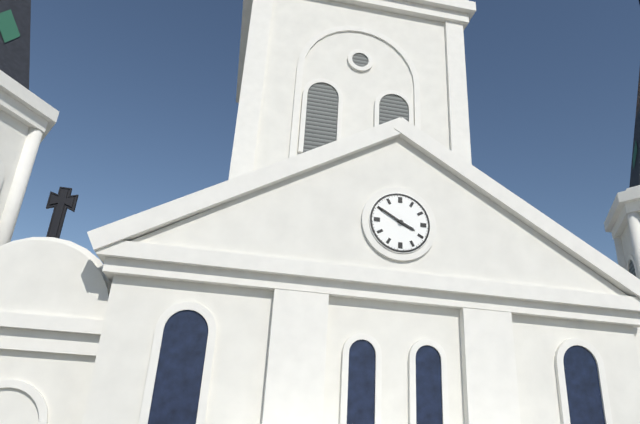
3:50
